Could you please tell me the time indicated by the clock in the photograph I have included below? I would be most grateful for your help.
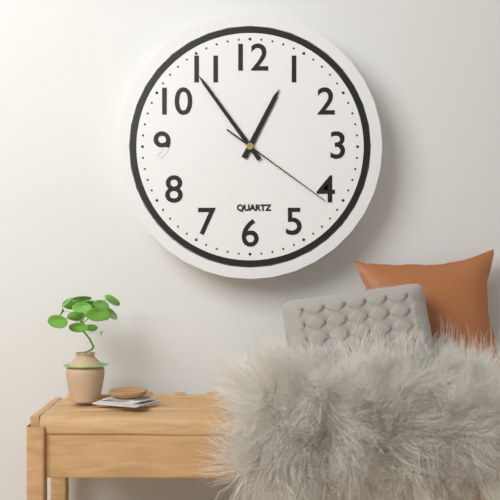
12:54:21
